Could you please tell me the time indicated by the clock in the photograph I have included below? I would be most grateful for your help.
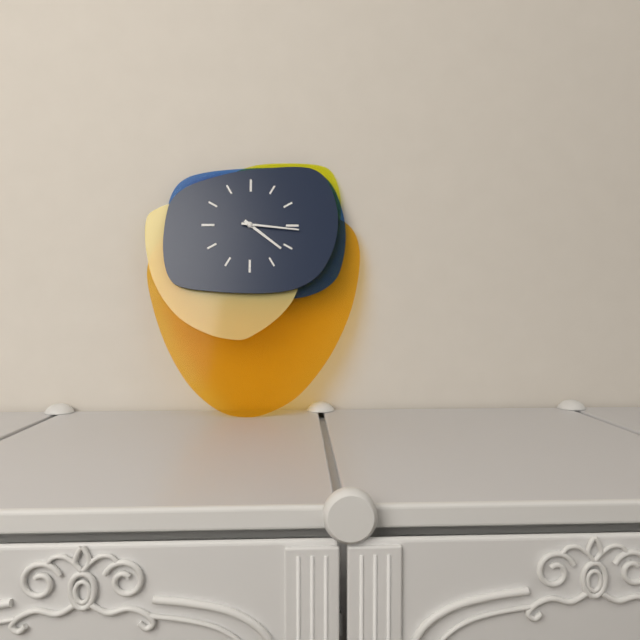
4:16
